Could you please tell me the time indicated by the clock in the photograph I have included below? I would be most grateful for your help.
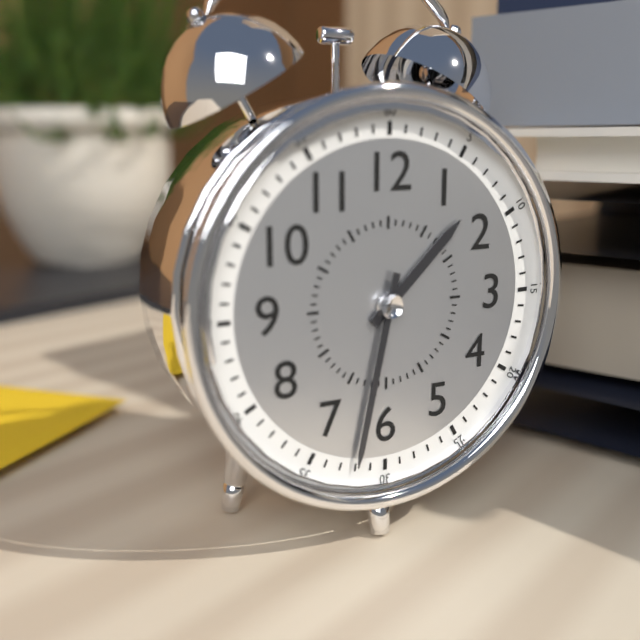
1:32
